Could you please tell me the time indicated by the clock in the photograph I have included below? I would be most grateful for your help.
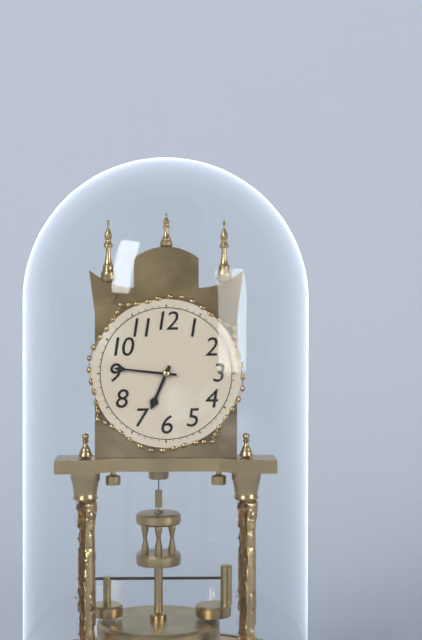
6:46
